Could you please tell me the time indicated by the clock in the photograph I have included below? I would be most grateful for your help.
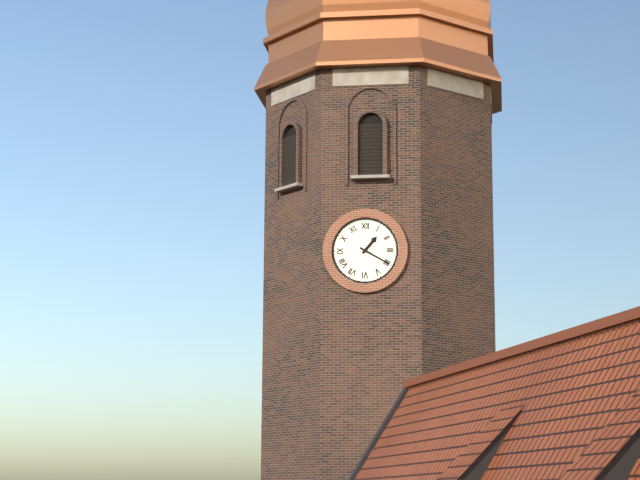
1:20
